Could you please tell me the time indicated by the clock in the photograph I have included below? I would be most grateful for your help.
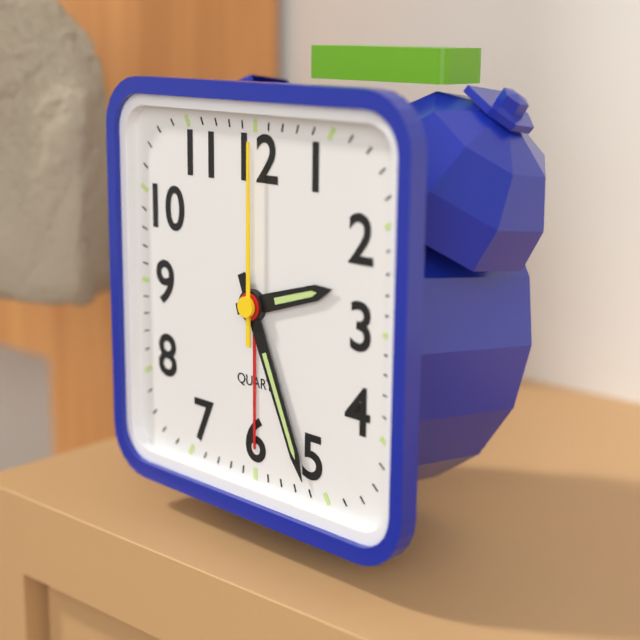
2:26:00
